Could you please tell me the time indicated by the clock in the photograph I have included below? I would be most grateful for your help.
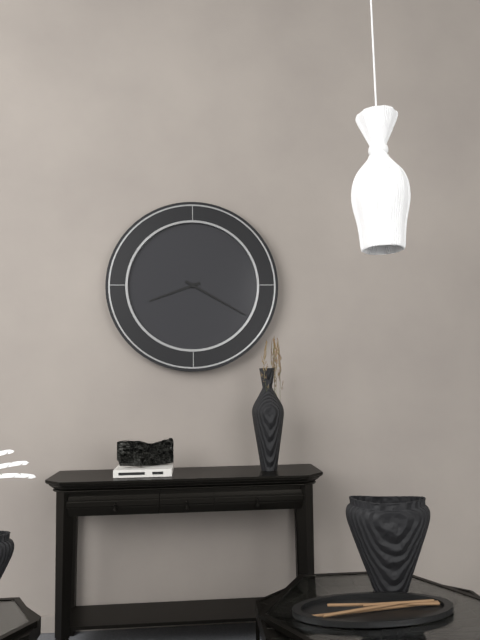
8:20
